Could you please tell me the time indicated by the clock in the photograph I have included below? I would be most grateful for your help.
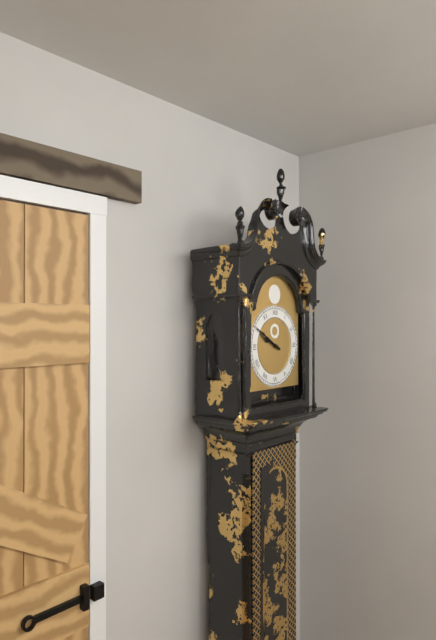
9:50
